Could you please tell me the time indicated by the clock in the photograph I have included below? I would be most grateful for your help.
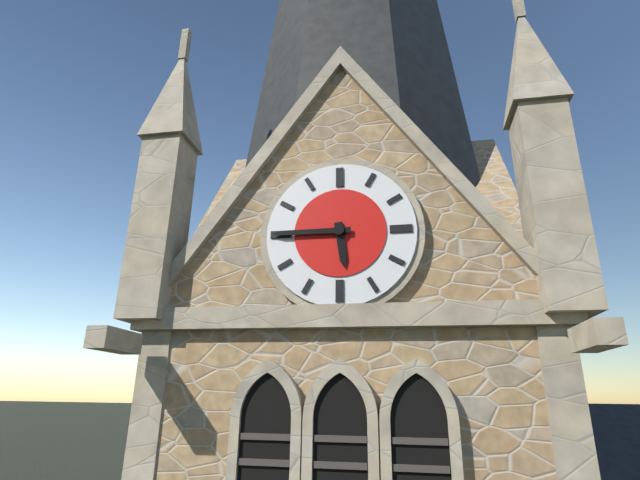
5:45
